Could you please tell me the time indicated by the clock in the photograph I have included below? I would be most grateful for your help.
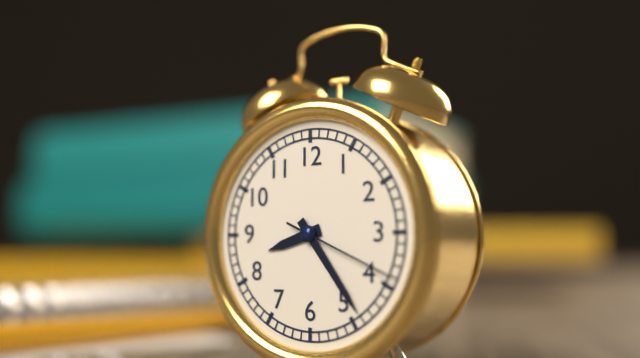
8:24:19
